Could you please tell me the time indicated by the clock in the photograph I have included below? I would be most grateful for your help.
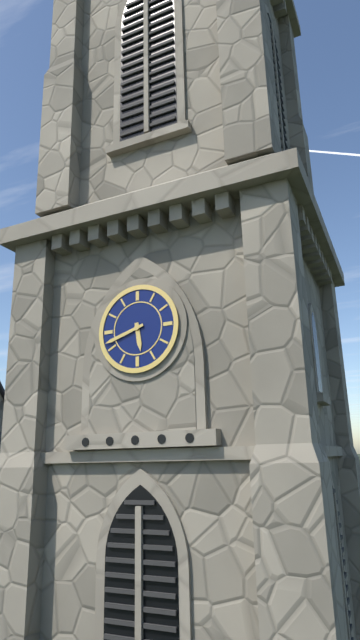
5:42
